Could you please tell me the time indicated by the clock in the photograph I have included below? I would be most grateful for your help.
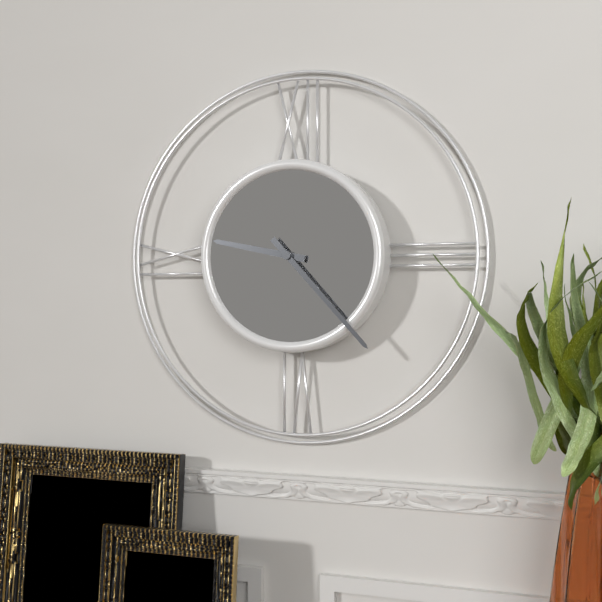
9:23
